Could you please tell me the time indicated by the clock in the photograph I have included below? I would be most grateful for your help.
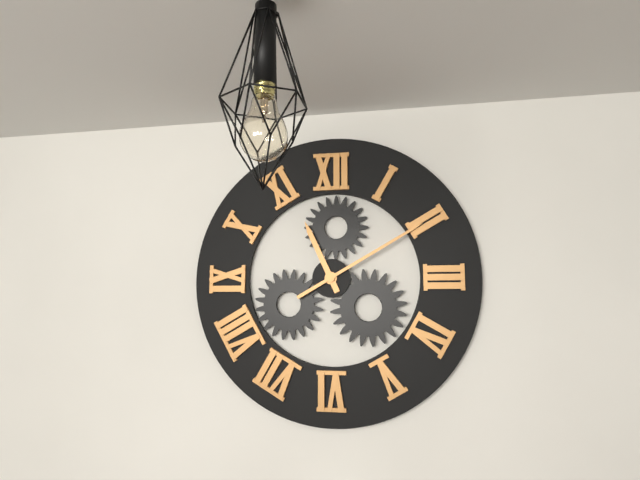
11:10
